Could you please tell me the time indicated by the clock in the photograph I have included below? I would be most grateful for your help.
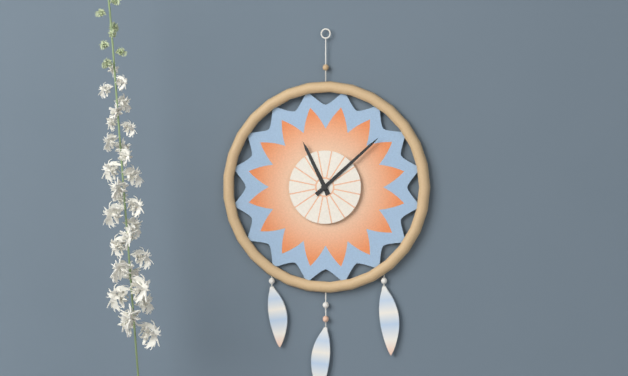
11:08
